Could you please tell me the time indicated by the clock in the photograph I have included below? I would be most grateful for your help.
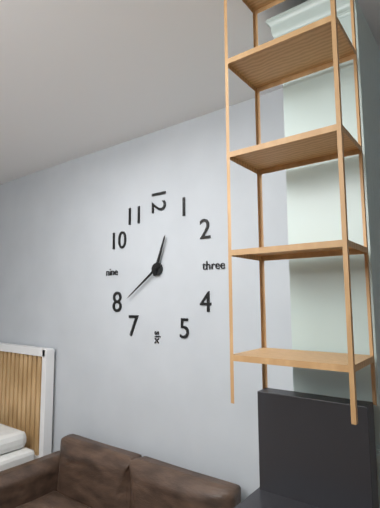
12:39
